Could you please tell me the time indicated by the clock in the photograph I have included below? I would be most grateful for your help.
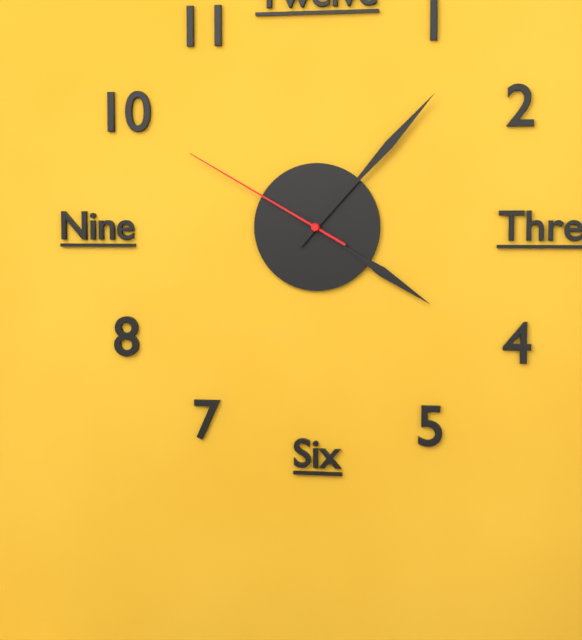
4:07:50
